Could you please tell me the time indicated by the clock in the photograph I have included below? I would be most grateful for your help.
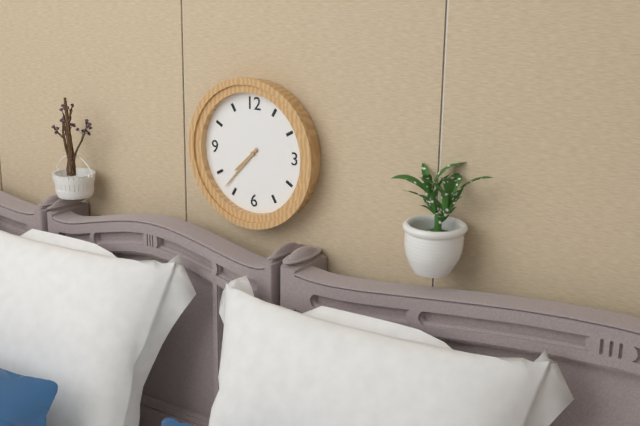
7:37
